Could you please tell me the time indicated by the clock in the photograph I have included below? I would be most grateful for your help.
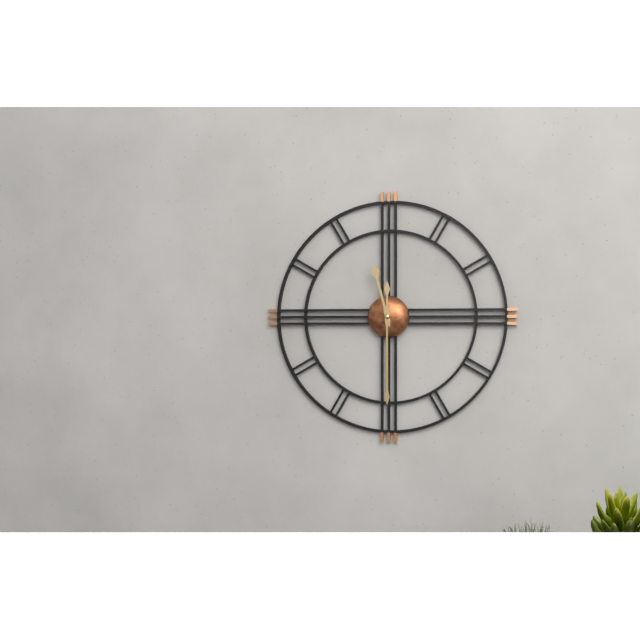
11:30
